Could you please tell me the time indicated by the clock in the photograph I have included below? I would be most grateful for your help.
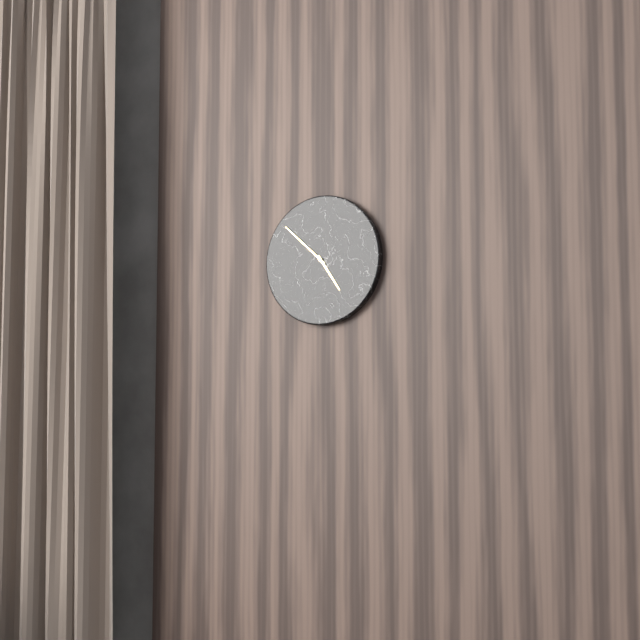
4:52
